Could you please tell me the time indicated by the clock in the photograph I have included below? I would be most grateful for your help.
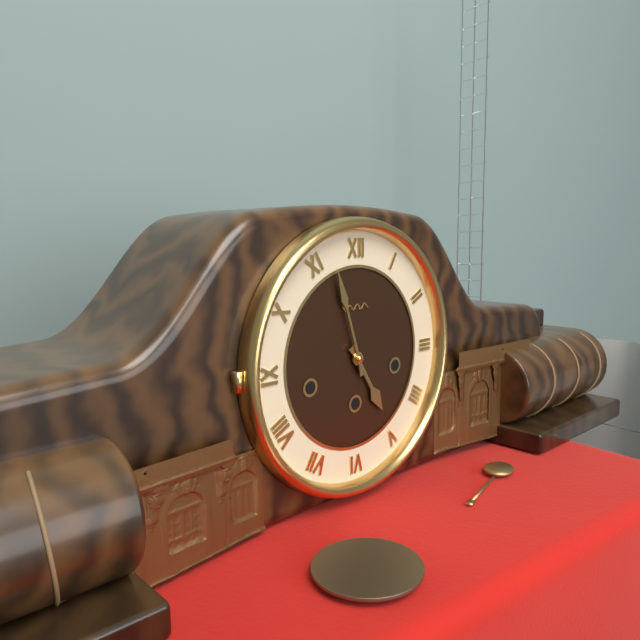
4:57
